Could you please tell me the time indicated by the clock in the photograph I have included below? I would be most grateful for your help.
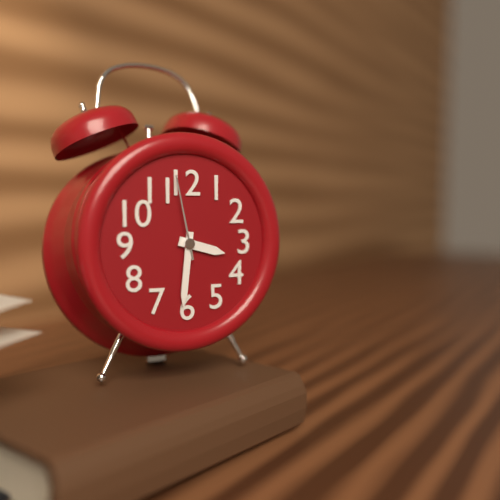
3:31:58
